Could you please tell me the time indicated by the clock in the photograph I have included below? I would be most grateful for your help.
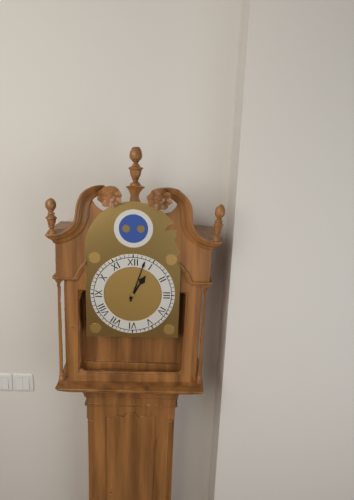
1:03
